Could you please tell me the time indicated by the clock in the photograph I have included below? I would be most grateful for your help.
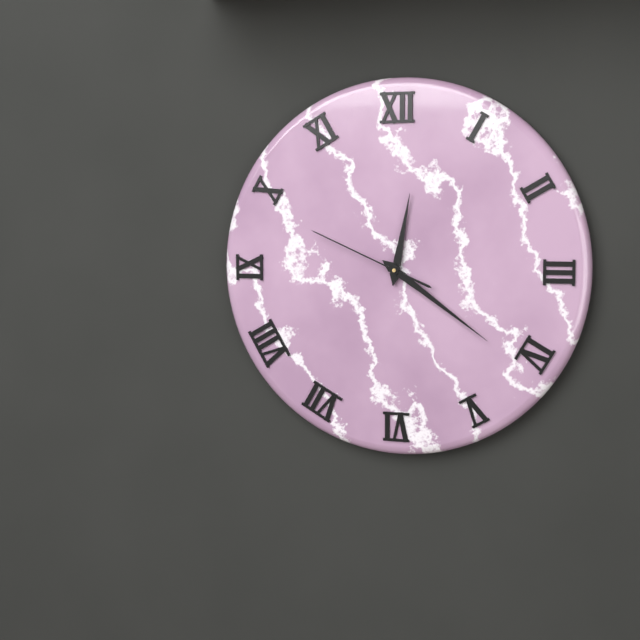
12:21:49
